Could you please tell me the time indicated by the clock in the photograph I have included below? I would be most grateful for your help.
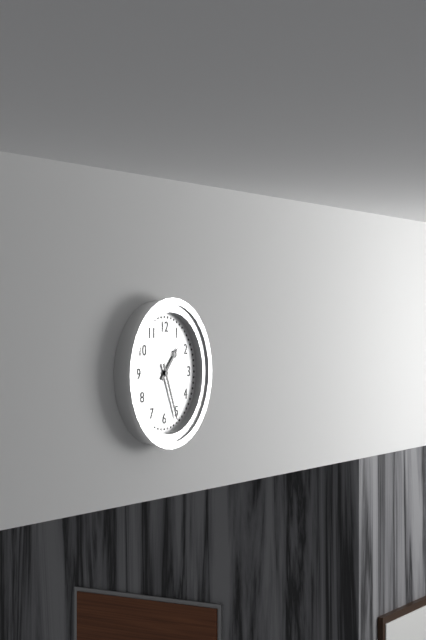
1:26
